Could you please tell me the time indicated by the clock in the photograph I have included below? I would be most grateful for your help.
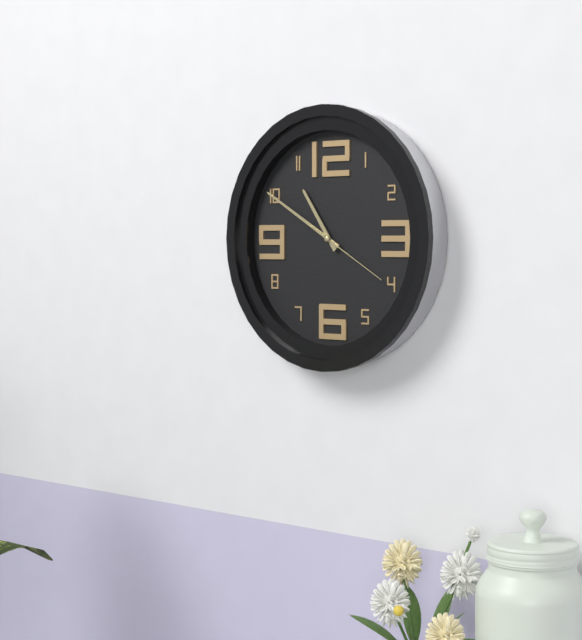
10:50:20
